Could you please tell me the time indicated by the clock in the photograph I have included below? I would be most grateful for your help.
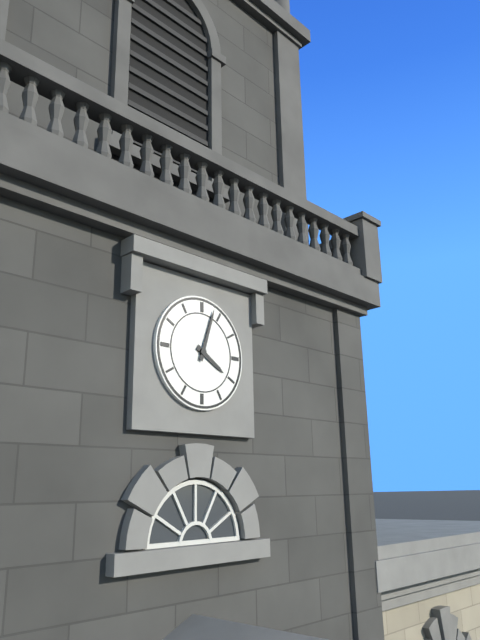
4:03
